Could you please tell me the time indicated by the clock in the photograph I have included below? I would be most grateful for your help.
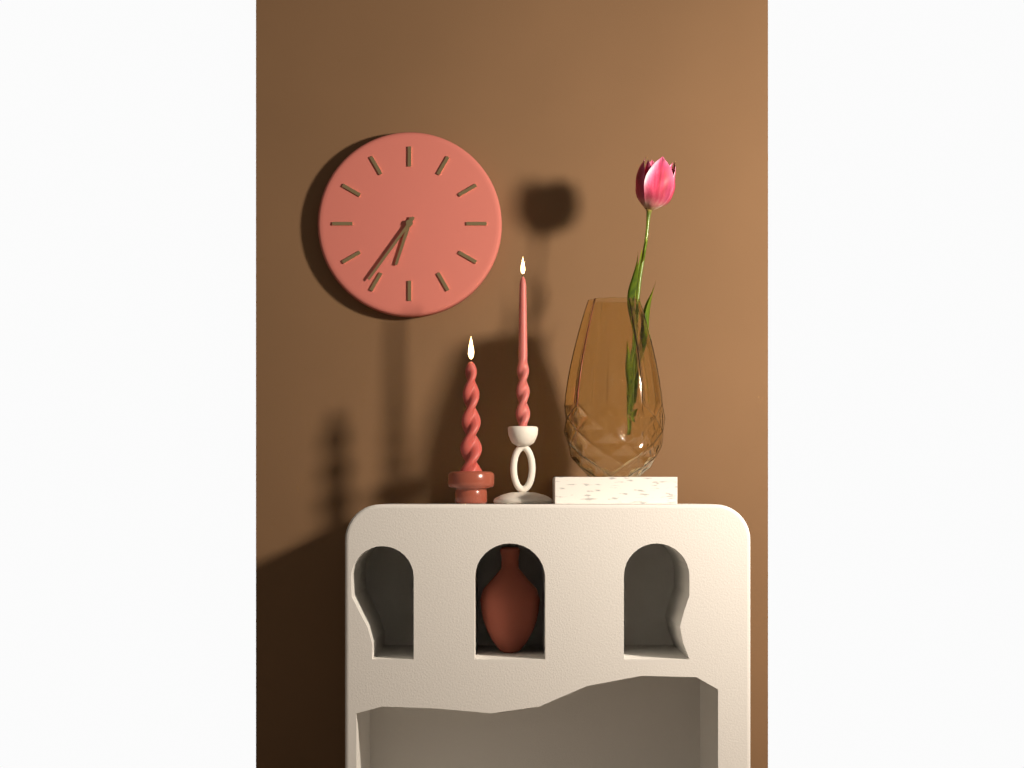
6:36
